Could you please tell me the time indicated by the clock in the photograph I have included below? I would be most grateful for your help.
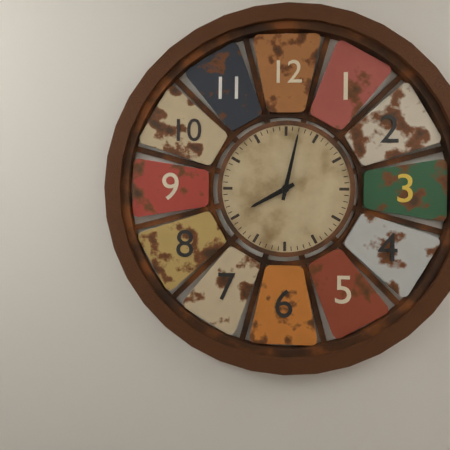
8:02
